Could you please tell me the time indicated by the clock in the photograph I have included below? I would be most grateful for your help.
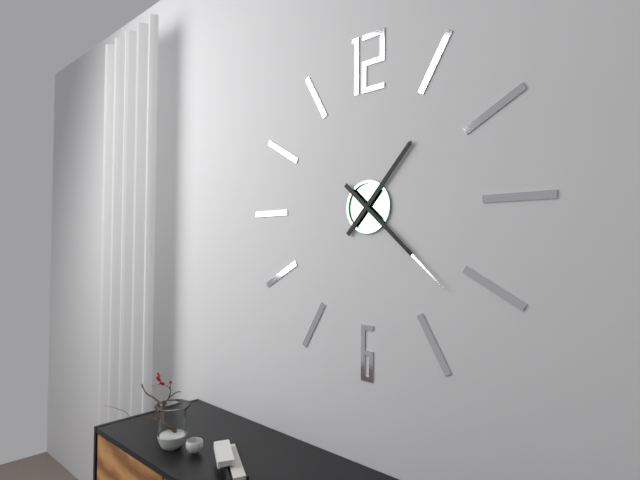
1:22
